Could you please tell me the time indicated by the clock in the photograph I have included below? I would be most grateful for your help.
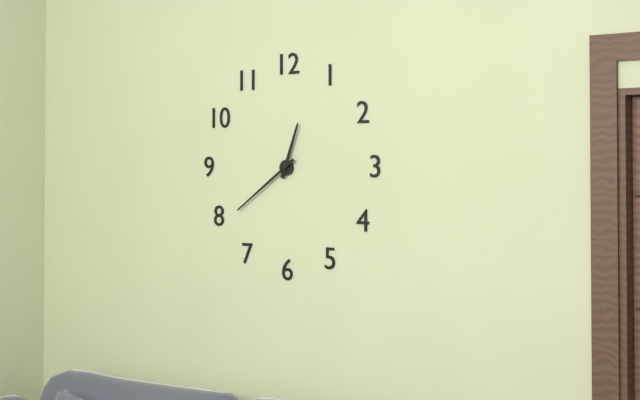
12:39
